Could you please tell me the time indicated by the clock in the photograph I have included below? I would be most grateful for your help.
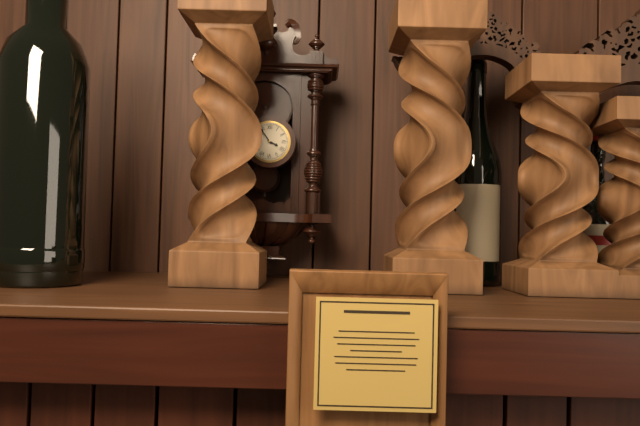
3:54
